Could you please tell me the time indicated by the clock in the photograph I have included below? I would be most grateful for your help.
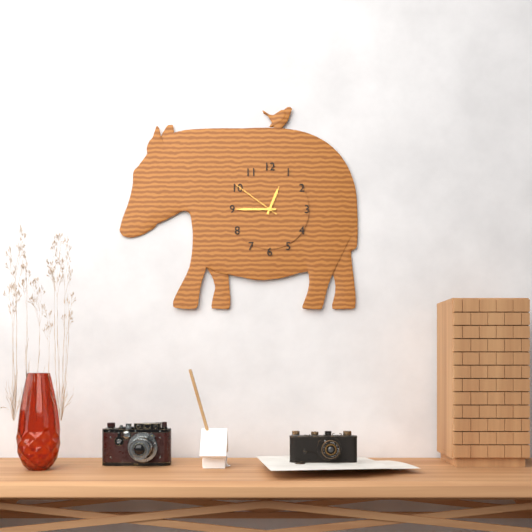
12:45:51
